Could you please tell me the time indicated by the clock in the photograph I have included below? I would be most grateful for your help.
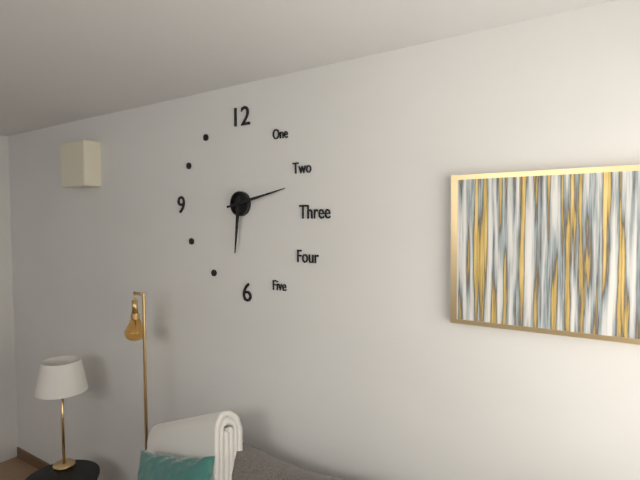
6:13
